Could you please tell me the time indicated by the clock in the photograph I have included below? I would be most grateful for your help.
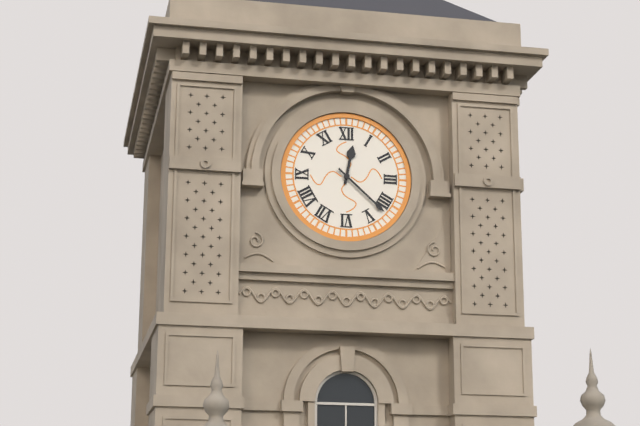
12:22
